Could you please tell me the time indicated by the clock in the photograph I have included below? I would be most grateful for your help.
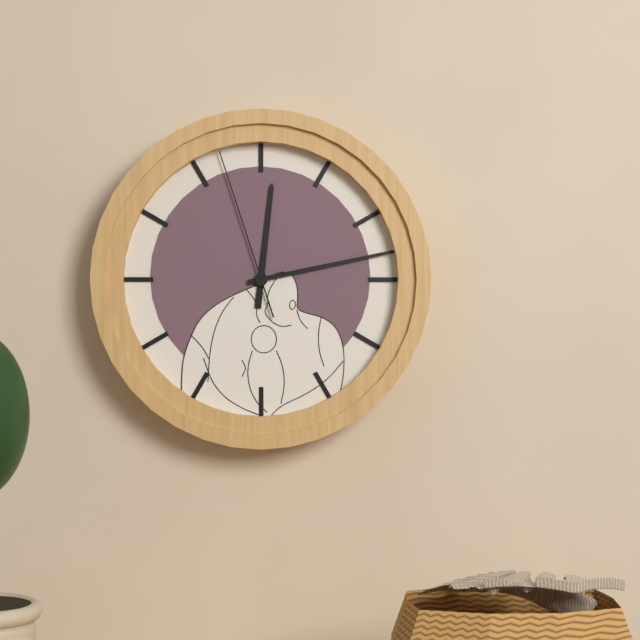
12:13:57
